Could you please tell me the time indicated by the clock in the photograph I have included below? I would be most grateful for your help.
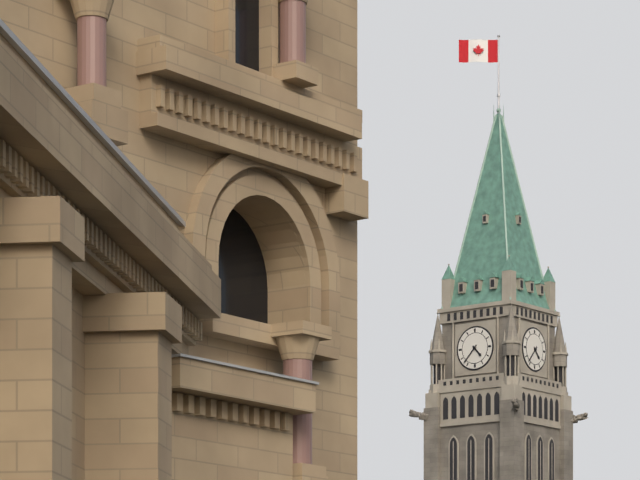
4:37
